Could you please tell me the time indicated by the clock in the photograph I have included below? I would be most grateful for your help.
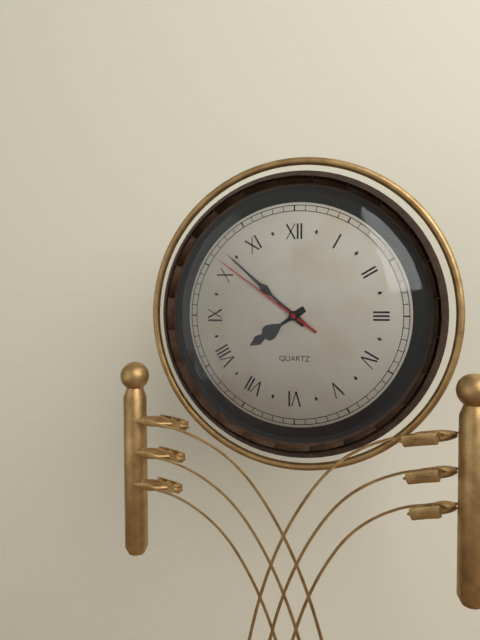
7:52:51
